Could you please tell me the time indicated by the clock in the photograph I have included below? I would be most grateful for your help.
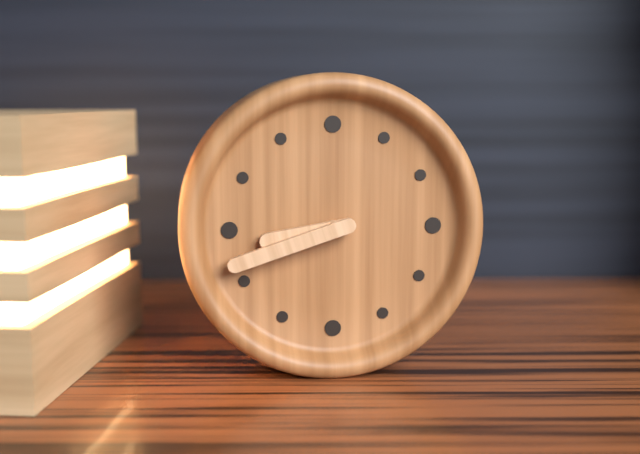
8:42
